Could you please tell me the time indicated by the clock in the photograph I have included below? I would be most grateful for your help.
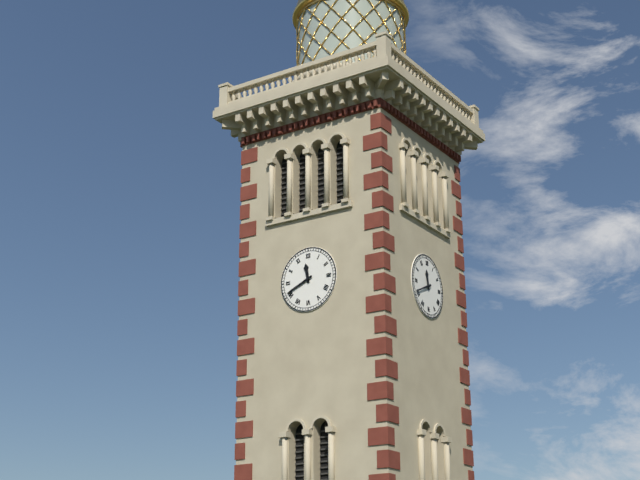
11:41
